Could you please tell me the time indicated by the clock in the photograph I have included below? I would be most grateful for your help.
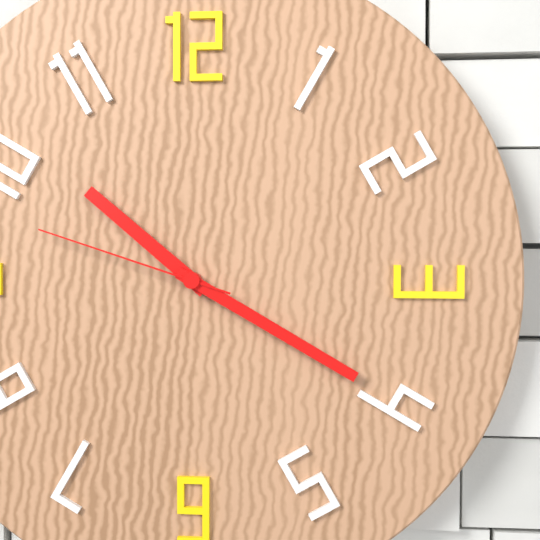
10:20:48
